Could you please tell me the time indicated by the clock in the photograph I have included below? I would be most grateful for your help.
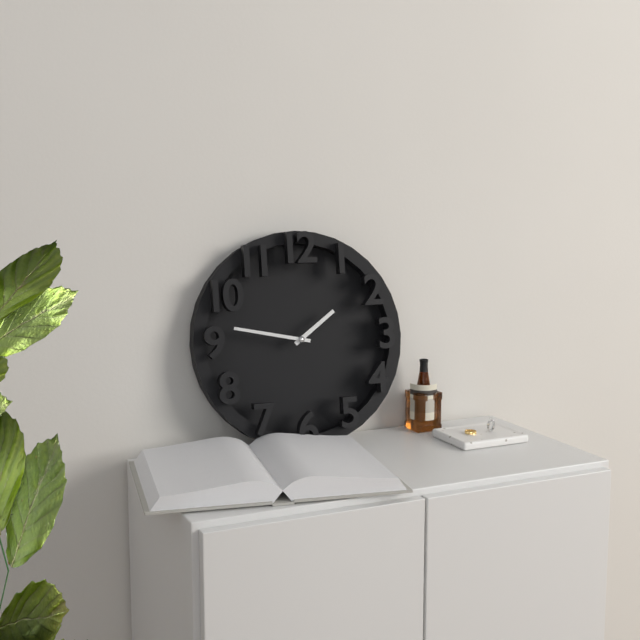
1:47
